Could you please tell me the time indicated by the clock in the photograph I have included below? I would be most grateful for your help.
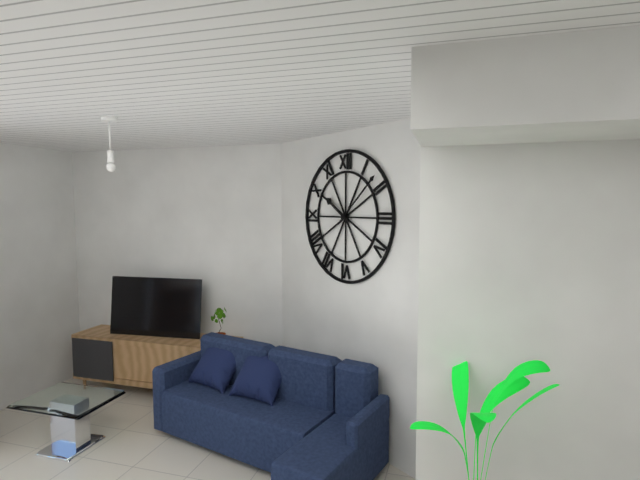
10:08
